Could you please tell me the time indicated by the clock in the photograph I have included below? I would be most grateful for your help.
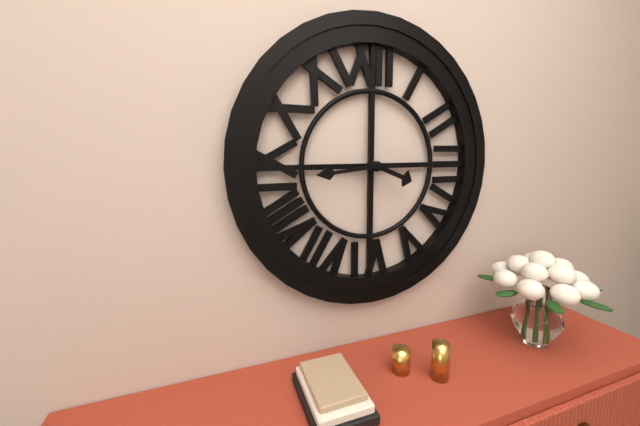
3:44
